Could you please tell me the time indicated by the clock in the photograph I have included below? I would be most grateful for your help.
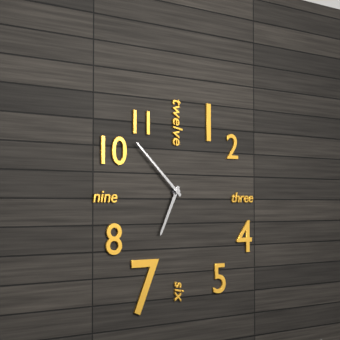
6:52
